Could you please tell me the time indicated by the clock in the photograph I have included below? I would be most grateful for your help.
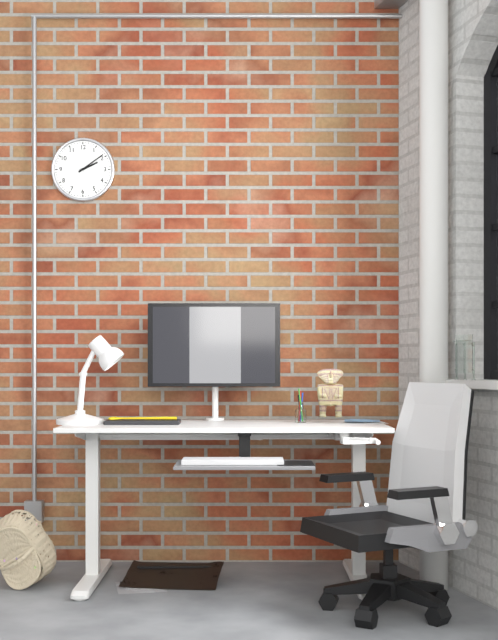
2:09
